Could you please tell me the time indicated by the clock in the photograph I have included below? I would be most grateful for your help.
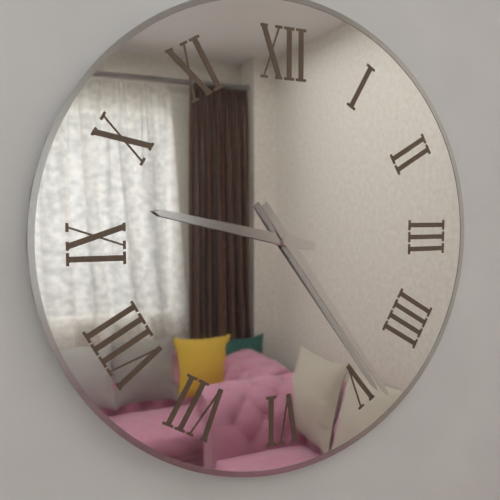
9:24
